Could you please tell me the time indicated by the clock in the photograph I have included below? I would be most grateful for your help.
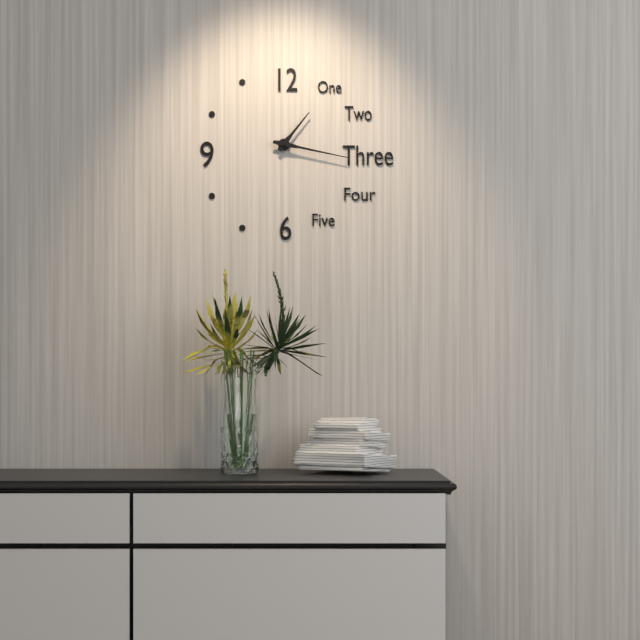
1:17
